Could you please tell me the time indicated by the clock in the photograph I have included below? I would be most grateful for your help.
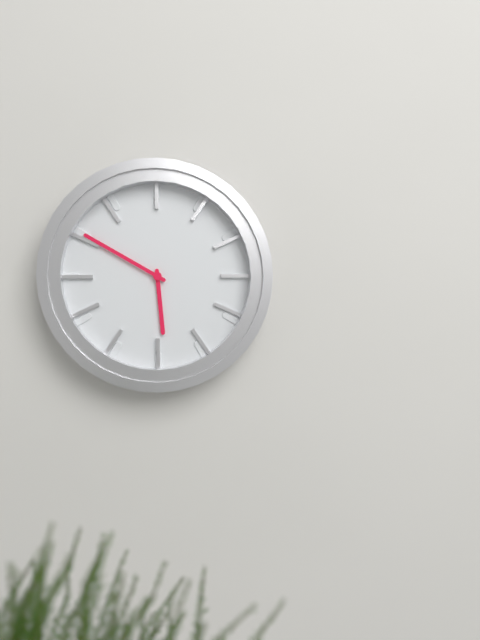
5:50
